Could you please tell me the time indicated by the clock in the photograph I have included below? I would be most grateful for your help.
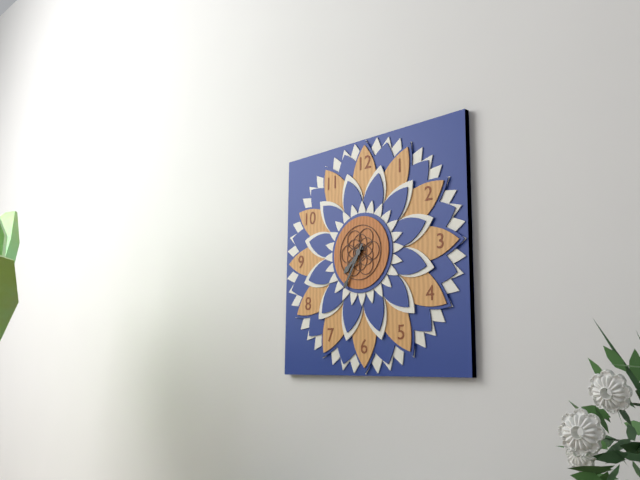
7:35
